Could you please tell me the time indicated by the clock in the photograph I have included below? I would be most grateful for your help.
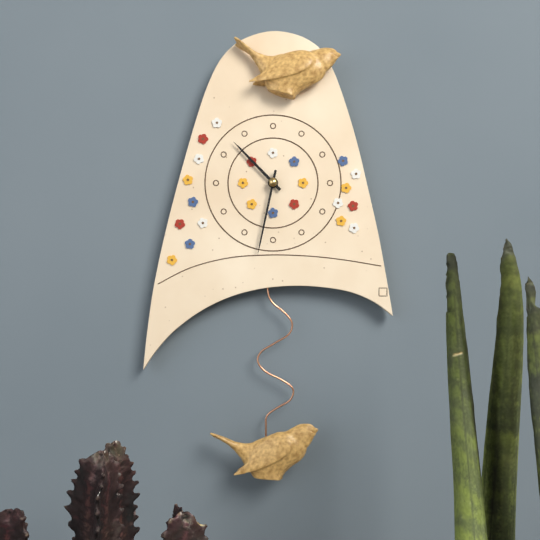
10:32
